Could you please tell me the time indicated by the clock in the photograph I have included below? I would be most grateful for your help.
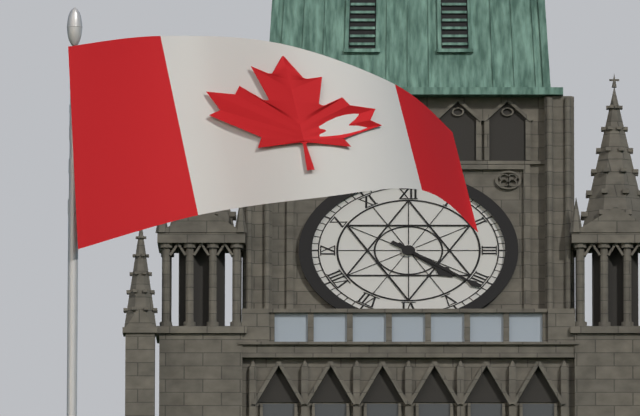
4:21
